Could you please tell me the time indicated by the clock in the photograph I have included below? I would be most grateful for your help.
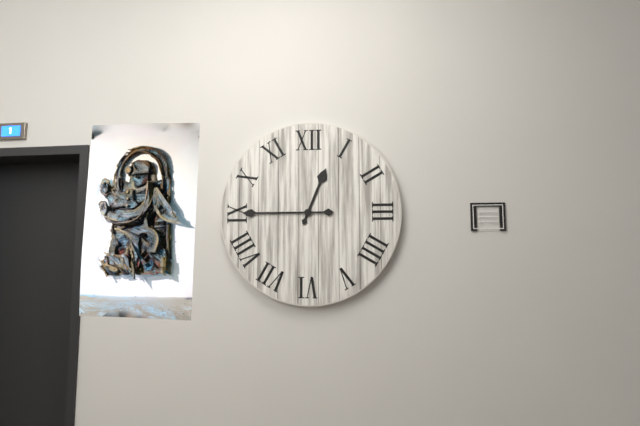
12:45
